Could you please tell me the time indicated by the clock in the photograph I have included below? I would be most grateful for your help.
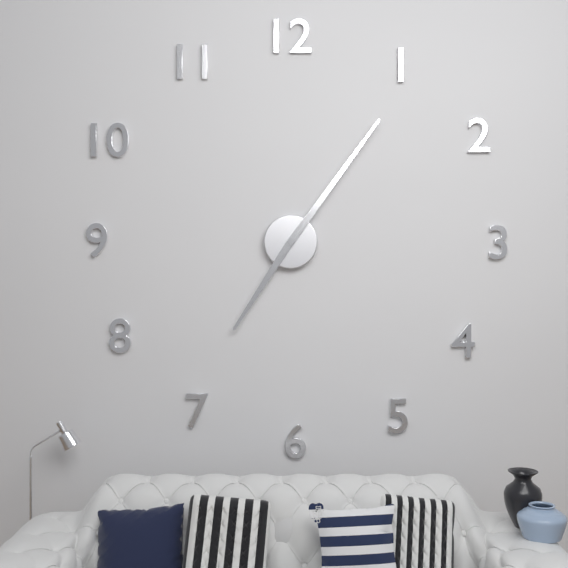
7:06
